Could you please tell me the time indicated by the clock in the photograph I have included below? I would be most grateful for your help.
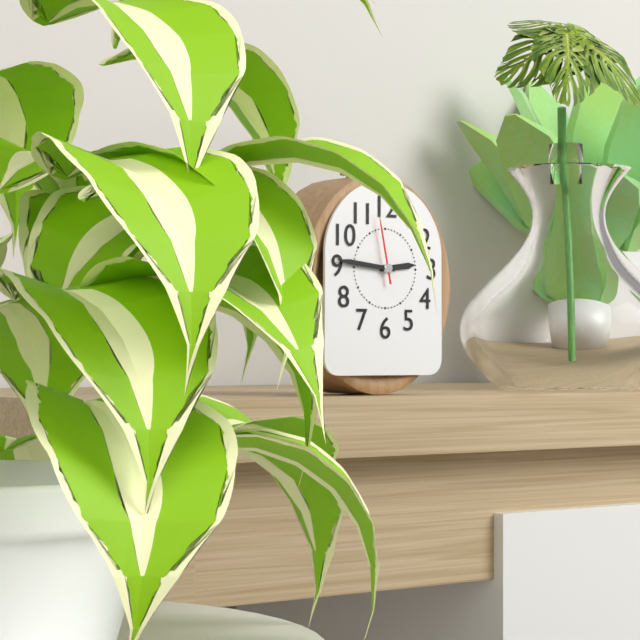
2:46:58
